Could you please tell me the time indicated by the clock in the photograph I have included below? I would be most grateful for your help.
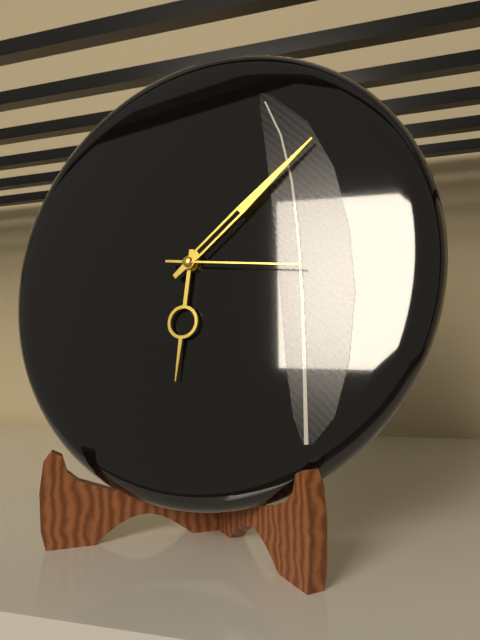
6:08:16
